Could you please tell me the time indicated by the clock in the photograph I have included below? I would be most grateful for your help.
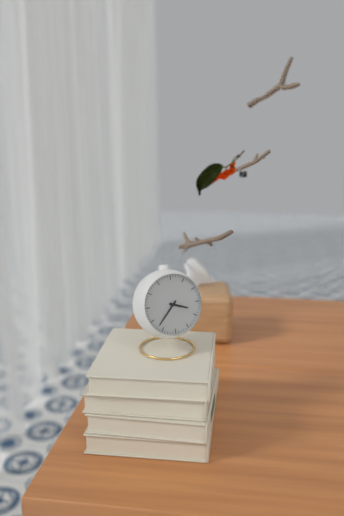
3:37
